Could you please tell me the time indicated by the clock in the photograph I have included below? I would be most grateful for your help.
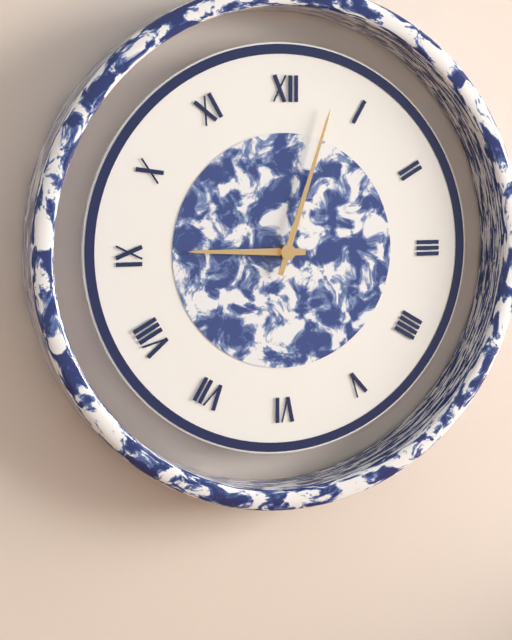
9:03
